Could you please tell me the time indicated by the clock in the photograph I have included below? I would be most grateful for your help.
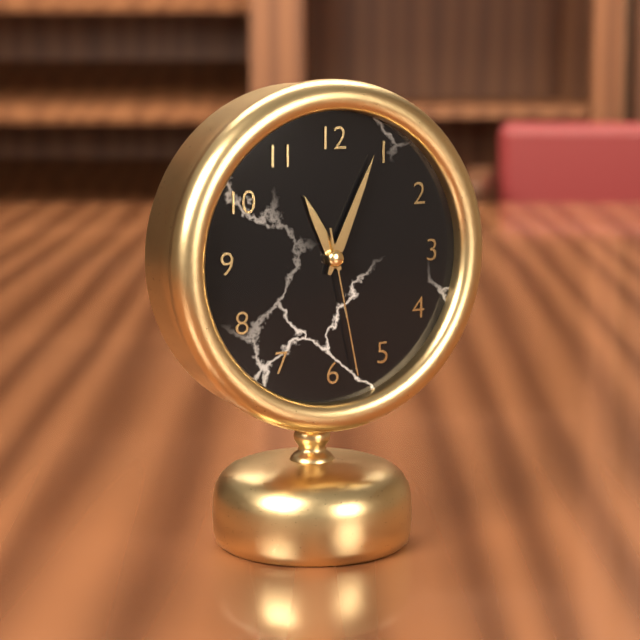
11:04:28
